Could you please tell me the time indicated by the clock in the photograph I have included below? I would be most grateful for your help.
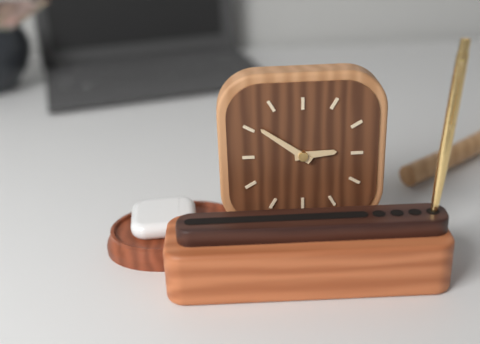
2:51
